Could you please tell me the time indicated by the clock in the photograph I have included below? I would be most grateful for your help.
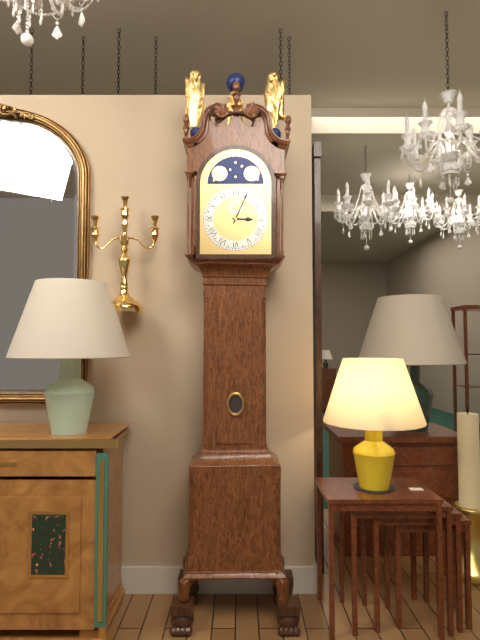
3:04
